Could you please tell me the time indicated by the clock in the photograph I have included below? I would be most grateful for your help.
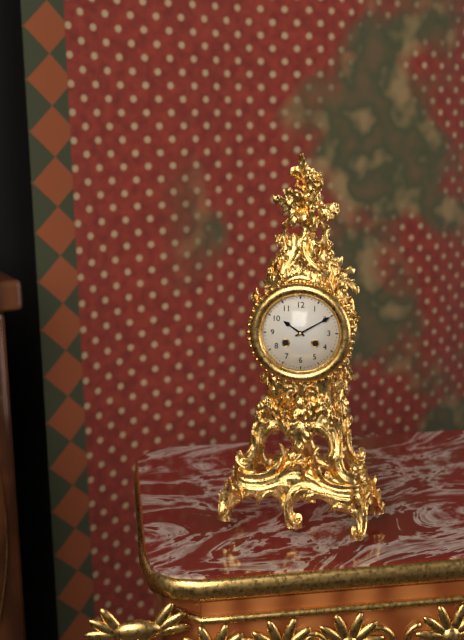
10:10
